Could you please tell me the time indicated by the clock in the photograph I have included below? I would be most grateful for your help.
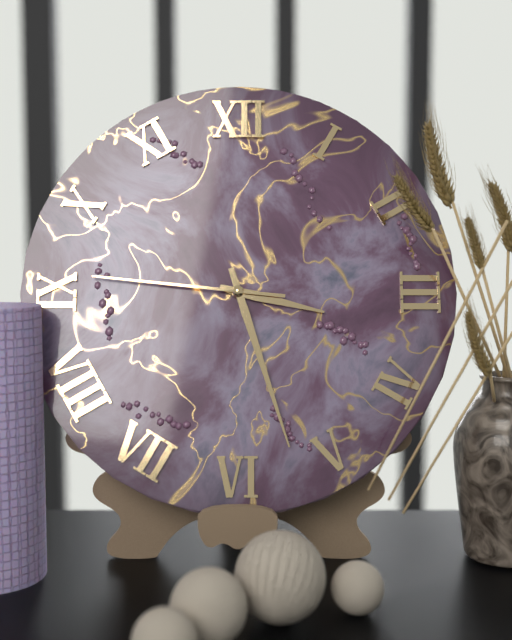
3:27:46
